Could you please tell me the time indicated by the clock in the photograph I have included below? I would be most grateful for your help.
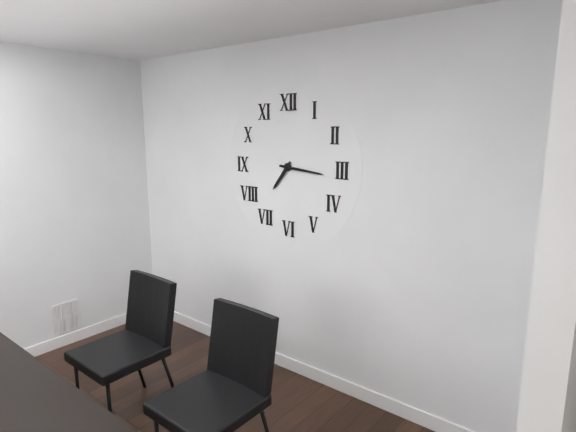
7:16
